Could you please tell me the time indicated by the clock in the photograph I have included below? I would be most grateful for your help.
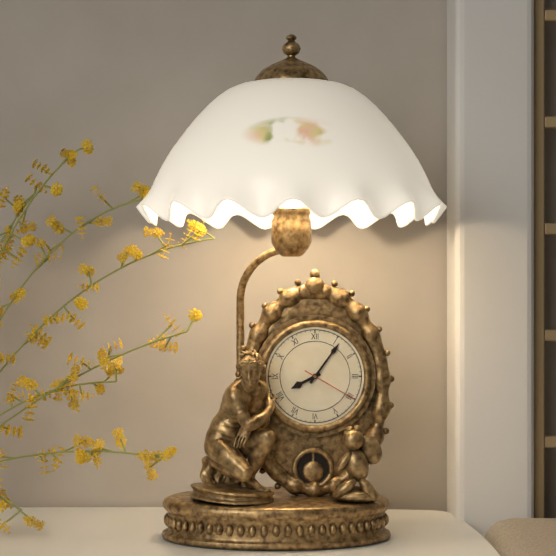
8:06:20
